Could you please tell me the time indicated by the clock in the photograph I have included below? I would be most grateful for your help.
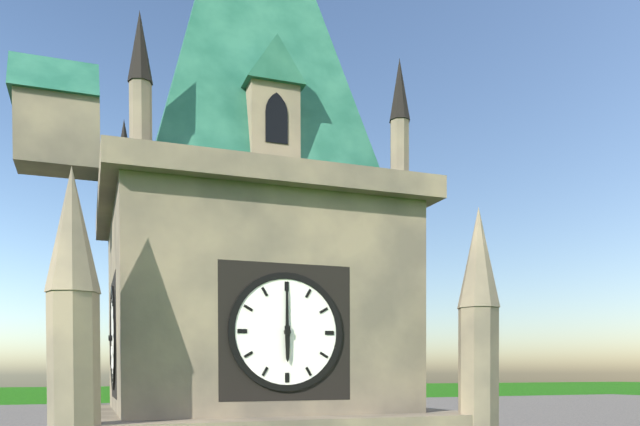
6:00
